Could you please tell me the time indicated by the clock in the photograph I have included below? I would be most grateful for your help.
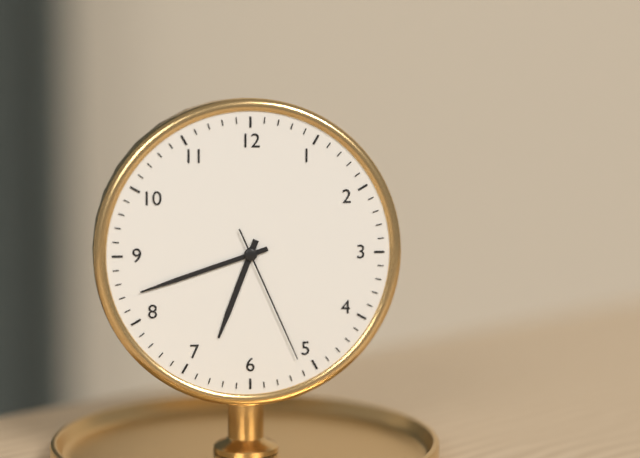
6:42:26
